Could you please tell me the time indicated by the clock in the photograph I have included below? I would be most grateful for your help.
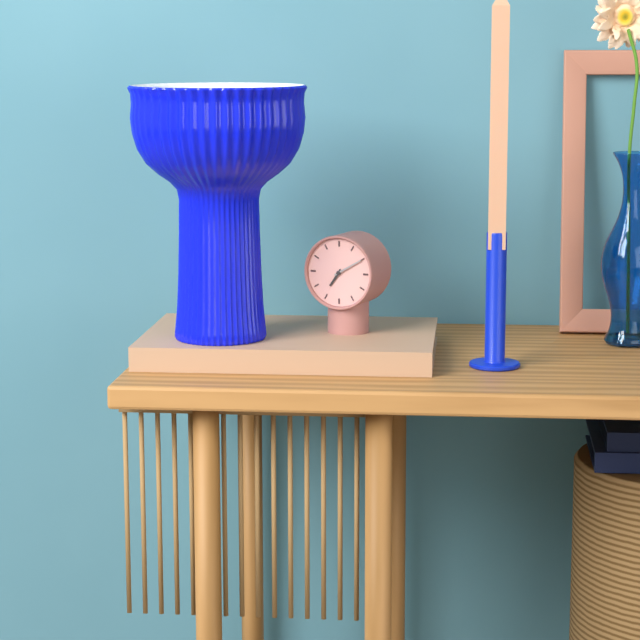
7:10
